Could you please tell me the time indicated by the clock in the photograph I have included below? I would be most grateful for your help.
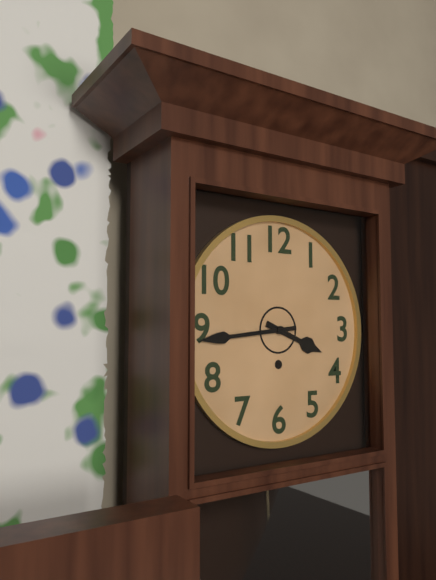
3:44
